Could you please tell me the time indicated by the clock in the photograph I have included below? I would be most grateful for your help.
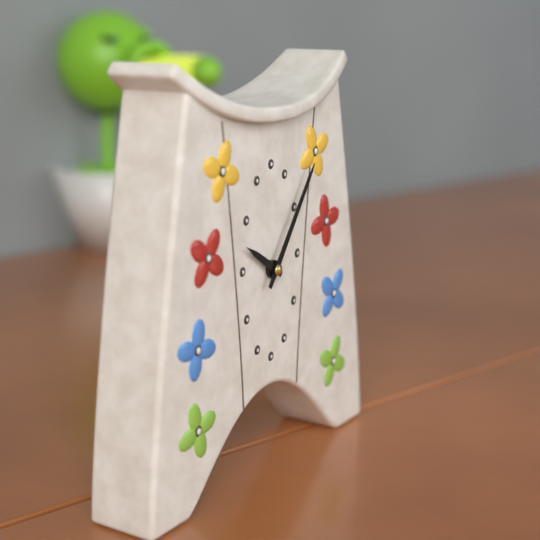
10:06
